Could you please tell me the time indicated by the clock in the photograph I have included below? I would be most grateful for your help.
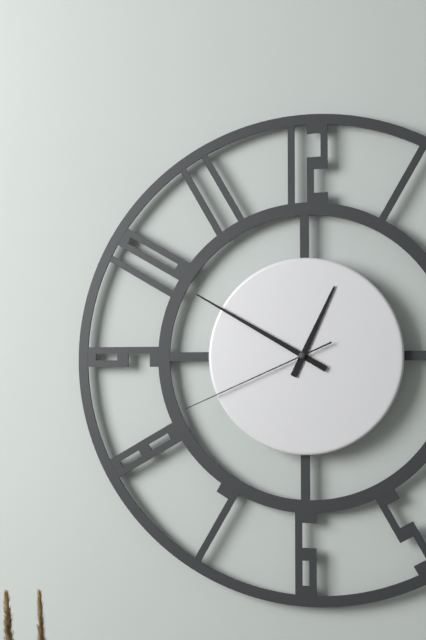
12:50:41
